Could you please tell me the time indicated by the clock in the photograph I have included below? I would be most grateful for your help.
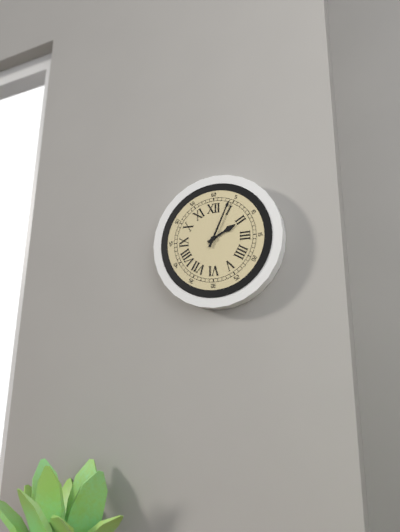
2:04
